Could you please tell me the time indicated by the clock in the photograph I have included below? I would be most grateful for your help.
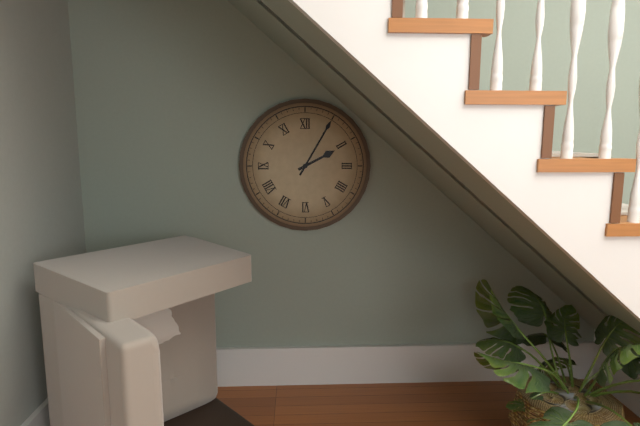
2:05
